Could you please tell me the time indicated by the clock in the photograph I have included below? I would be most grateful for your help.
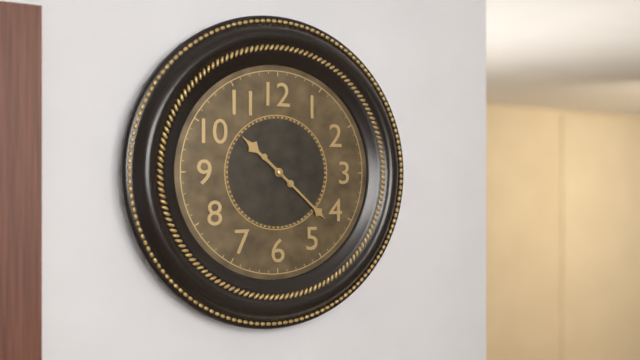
10:22
